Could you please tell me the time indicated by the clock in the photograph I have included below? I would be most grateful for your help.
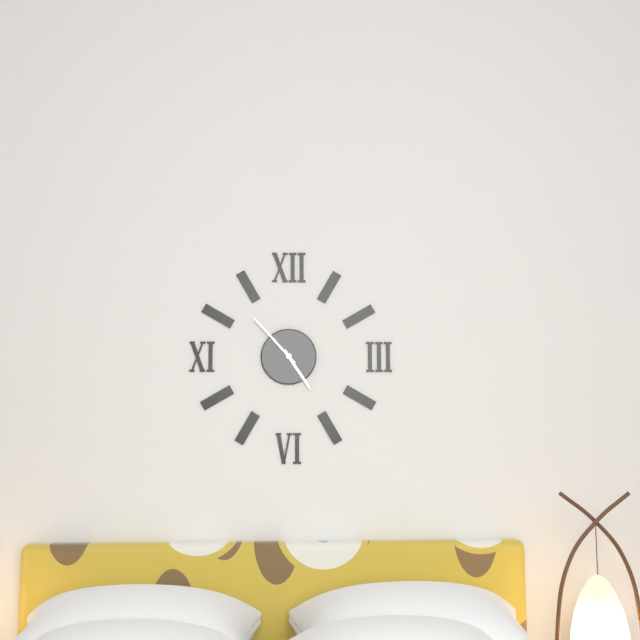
4:53
